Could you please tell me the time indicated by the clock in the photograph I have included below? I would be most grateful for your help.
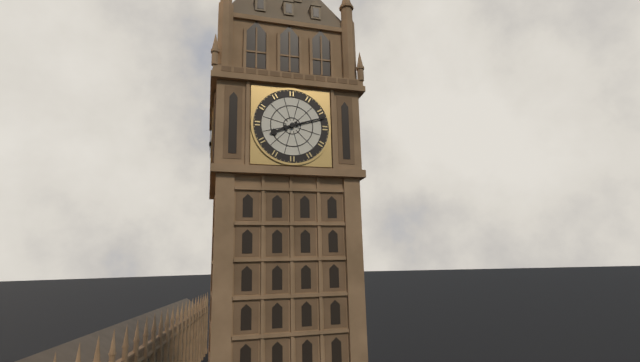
8:12
